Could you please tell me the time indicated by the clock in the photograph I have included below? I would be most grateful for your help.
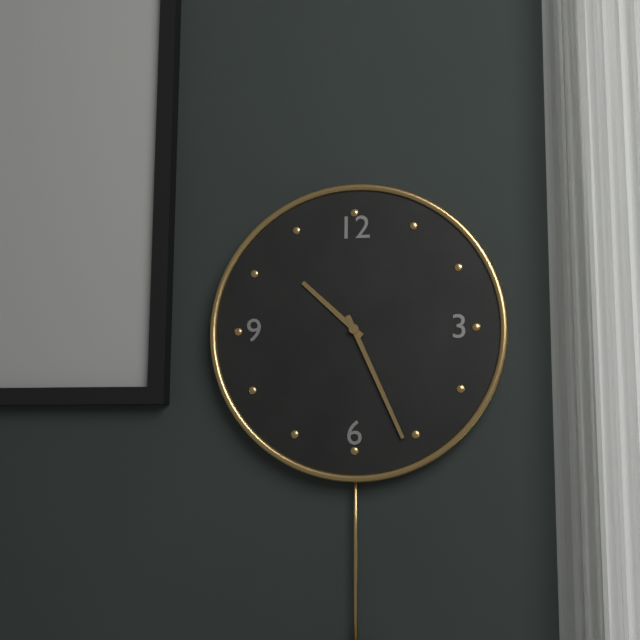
10:26
